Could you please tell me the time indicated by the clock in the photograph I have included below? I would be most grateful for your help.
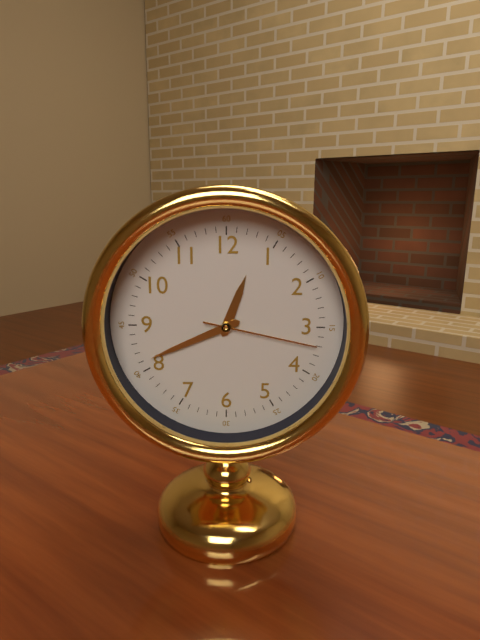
12:41:17
